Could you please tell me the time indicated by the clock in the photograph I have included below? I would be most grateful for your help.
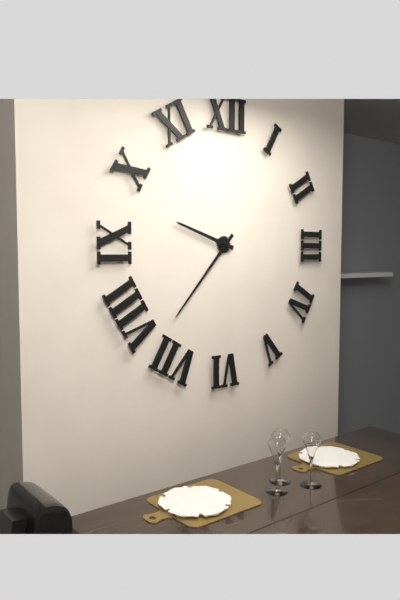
9:37
